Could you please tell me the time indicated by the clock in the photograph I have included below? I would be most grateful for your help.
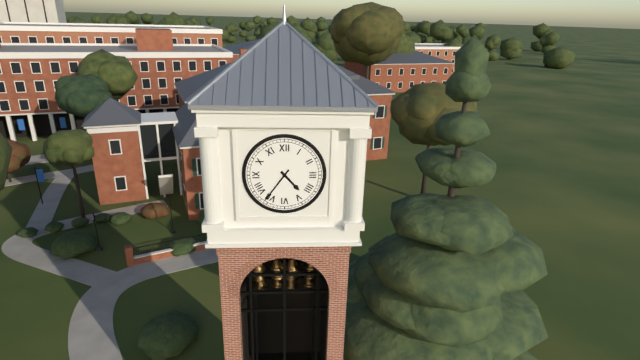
4:36
